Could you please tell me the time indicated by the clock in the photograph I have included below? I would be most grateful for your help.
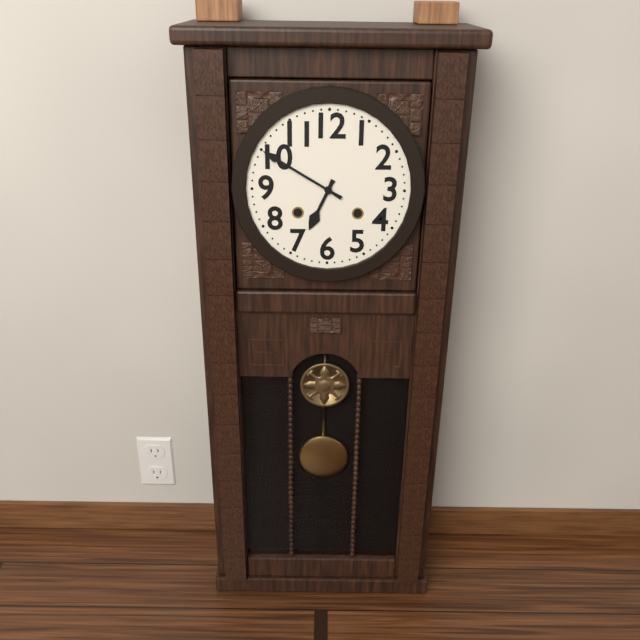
6:50
